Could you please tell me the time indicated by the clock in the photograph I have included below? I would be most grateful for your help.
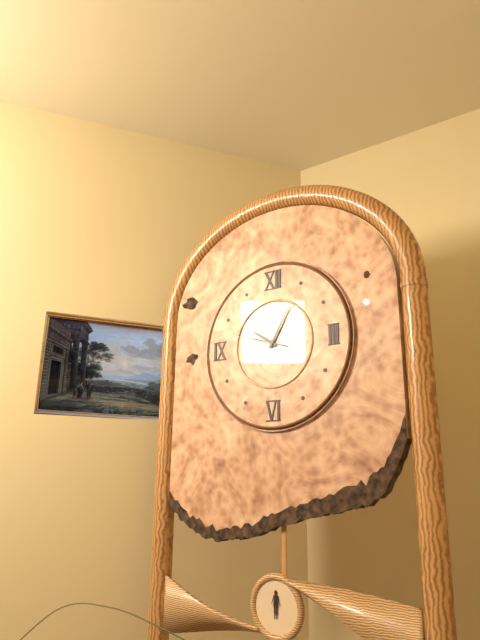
10:05:48
